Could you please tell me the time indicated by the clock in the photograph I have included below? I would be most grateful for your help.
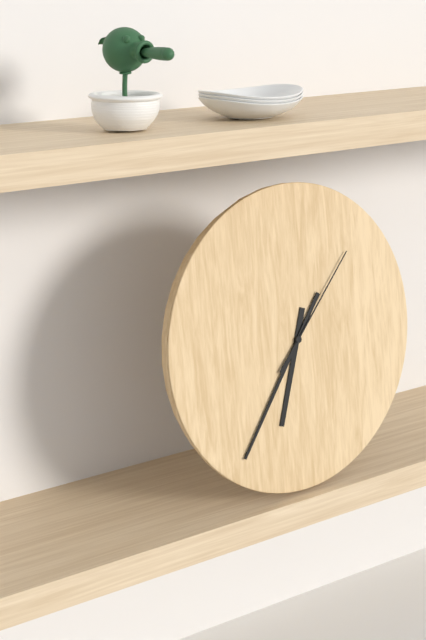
6:36:07
